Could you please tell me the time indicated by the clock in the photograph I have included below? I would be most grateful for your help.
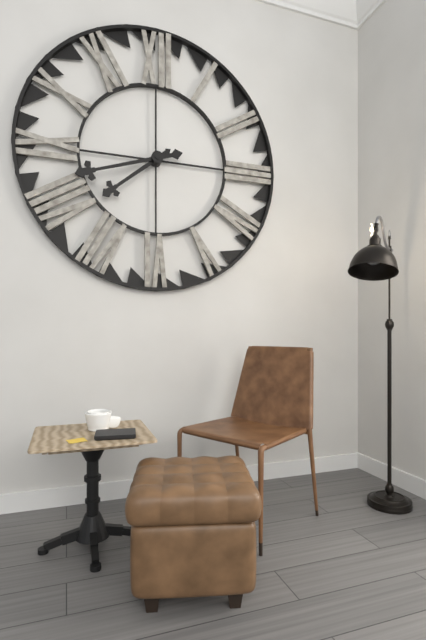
7:42
